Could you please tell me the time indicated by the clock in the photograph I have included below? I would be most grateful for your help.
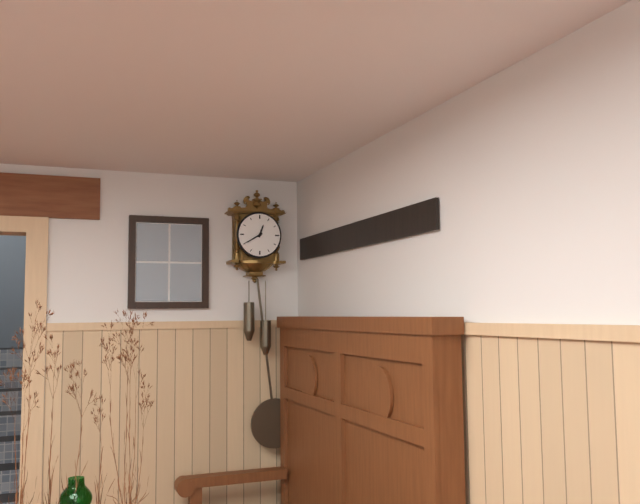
12:40
